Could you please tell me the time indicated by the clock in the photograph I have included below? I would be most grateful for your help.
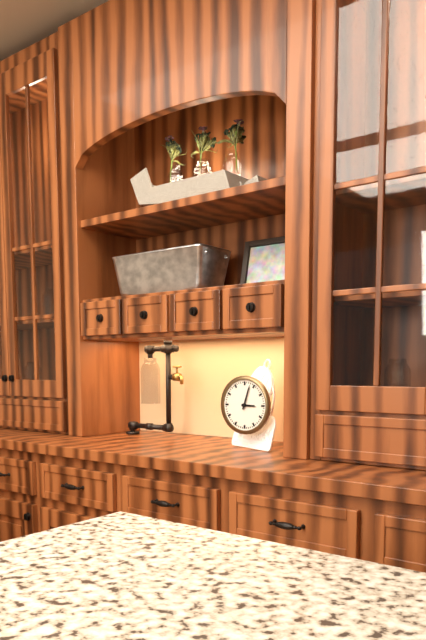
3:03
